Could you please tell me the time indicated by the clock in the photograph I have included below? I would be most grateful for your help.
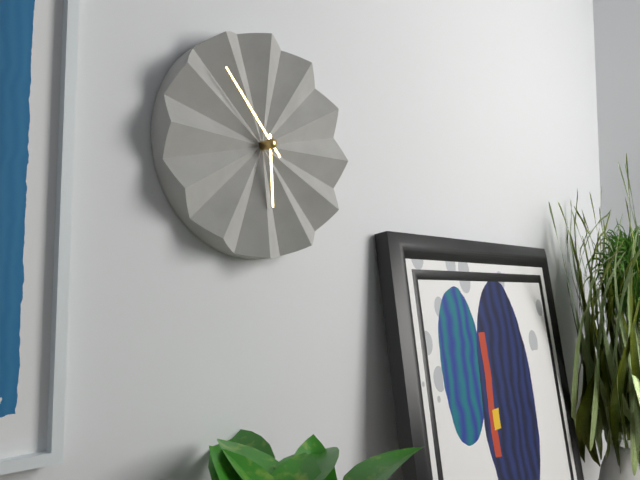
5:53
